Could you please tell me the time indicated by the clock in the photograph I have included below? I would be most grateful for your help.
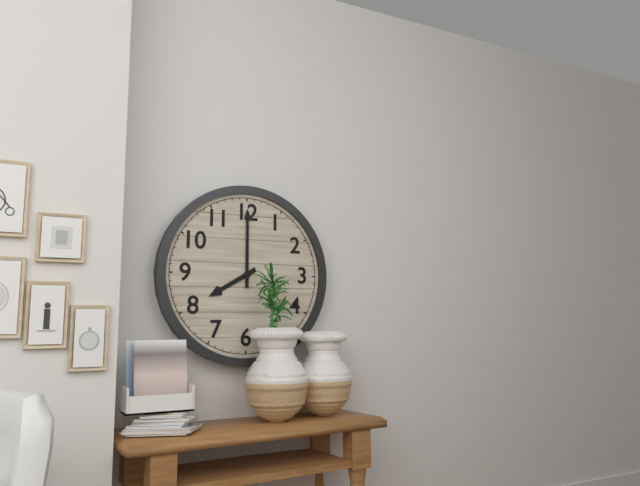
8:00
